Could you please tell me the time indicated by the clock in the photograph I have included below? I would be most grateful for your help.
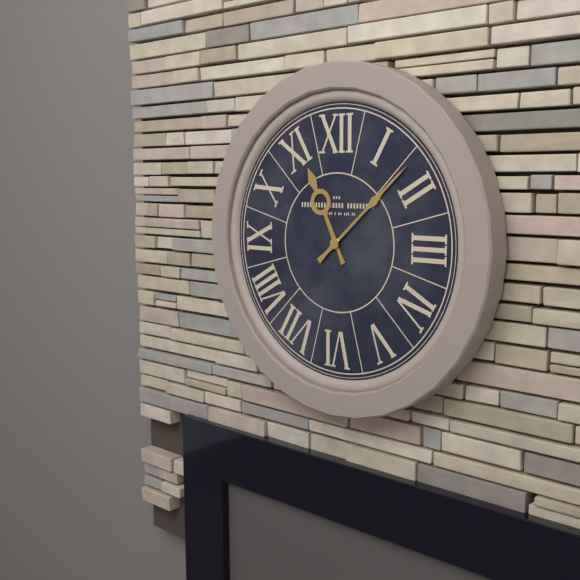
11:08
